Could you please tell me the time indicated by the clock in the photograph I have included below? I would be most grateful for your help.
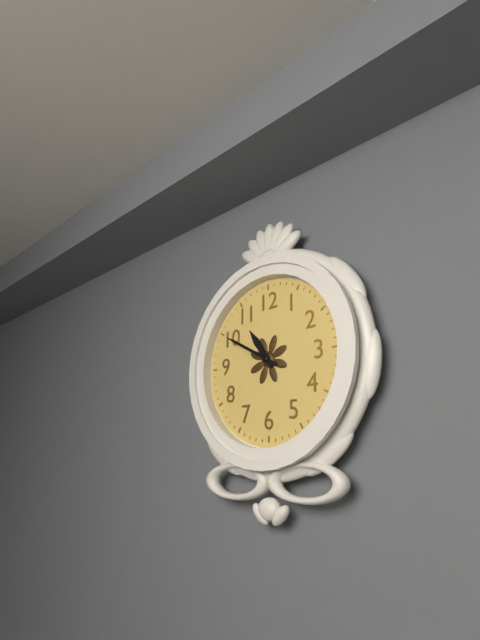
10:50
